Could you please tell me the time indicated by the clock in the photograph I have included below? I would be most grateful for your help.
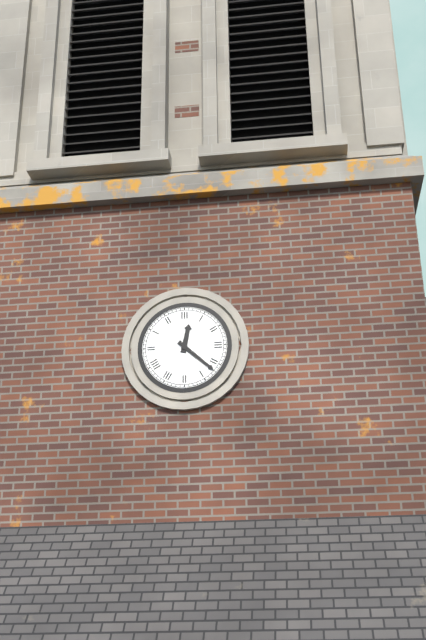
12:22
